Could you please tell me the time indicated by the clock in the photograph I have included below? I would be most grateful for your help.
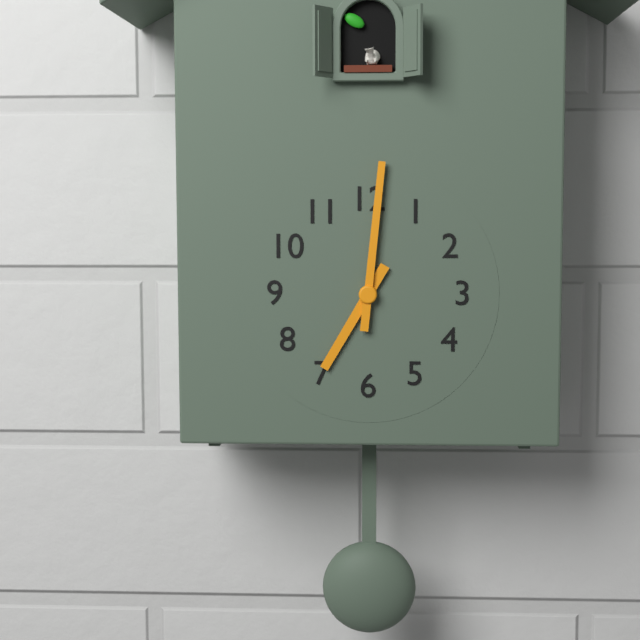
7:01
